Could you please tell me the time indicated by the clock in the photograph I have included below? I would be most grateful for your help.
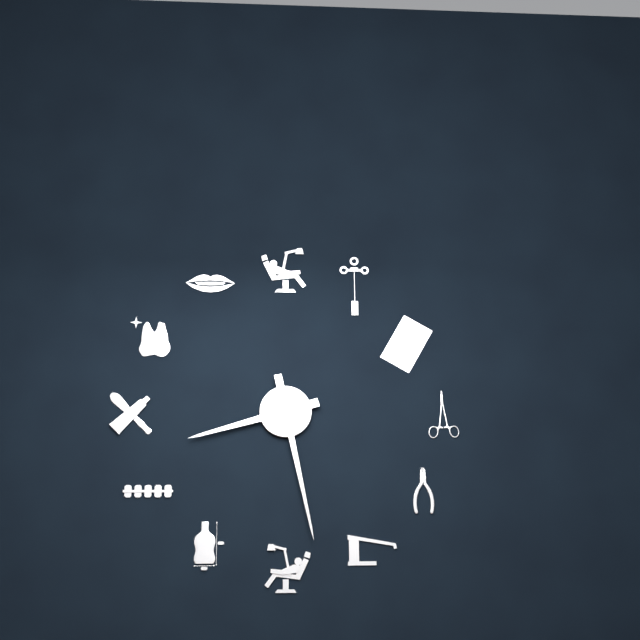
8:28
